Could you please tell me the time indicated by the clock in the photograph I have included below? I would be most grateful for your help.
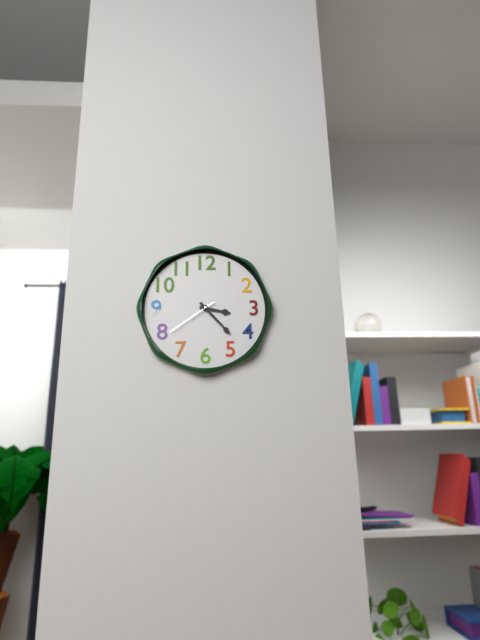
3:23:39
